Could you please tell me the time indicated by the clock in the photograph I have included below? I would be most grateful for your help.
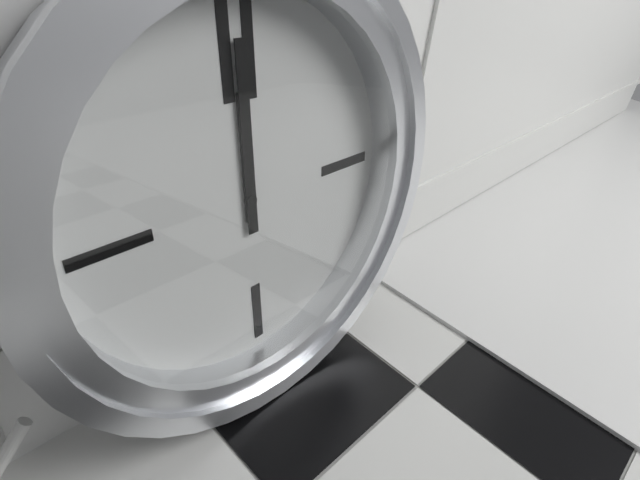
12:00
